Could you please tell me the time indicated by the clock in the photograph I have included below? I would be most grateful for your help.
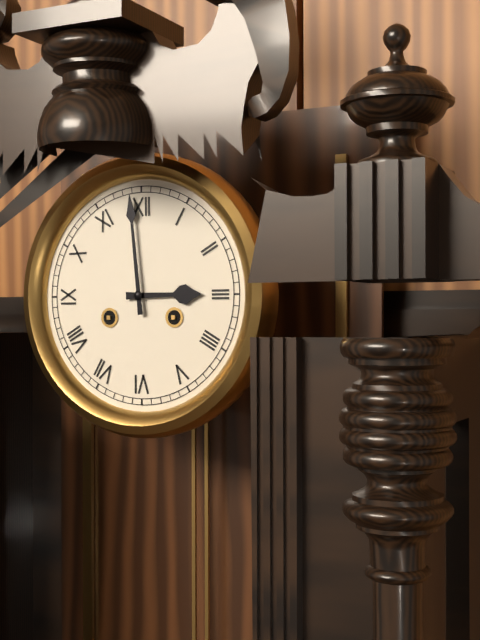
2:59
